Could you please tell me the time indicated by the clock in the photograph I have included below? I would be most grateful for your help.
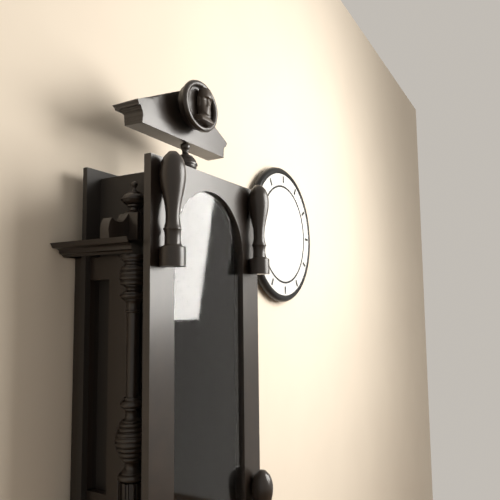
1:16
